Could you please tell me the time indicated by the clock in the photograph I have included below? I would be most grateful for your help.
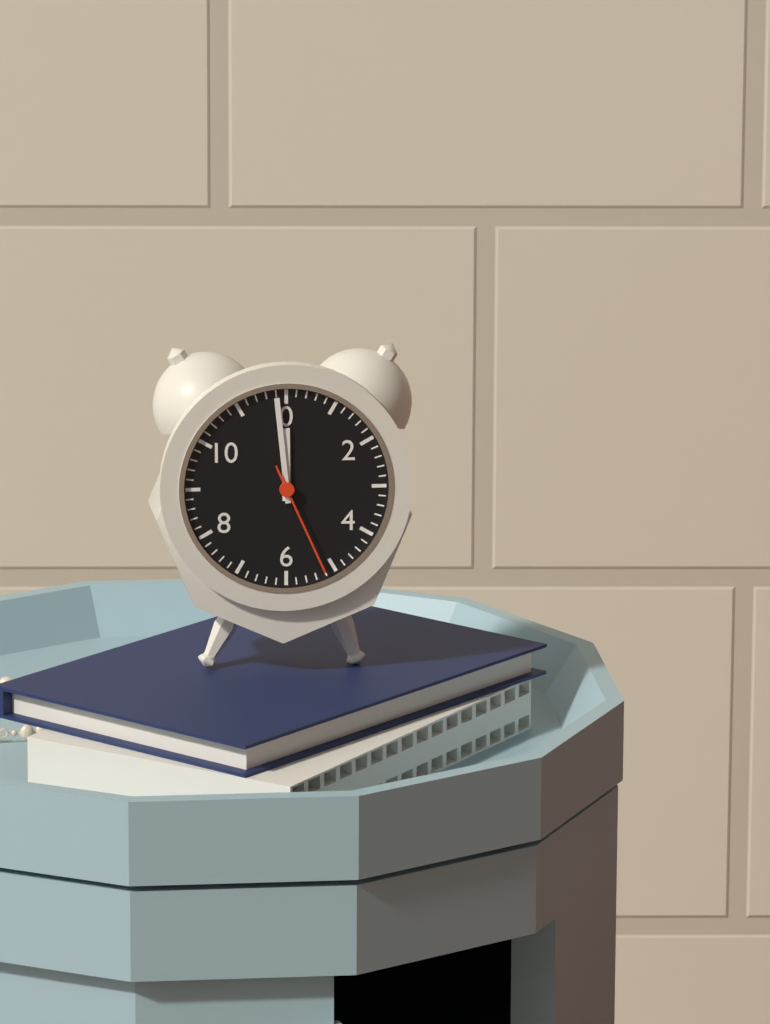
11:59:26
